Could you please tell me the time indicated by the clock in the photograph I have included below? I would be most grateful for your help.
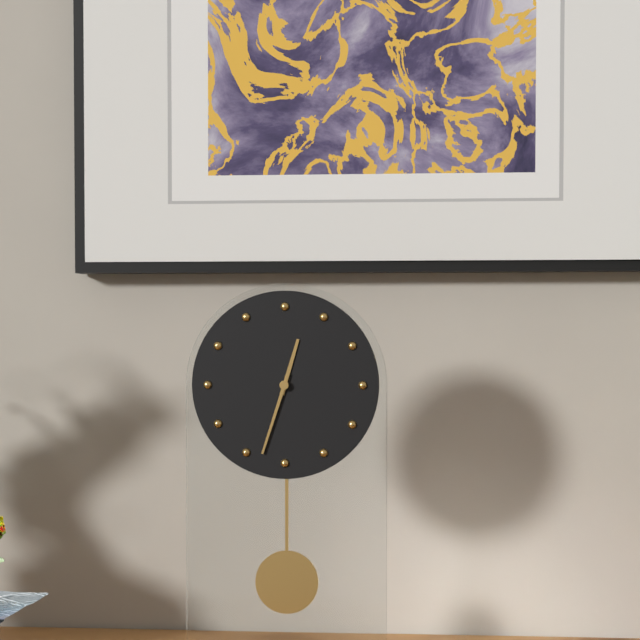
12:33
